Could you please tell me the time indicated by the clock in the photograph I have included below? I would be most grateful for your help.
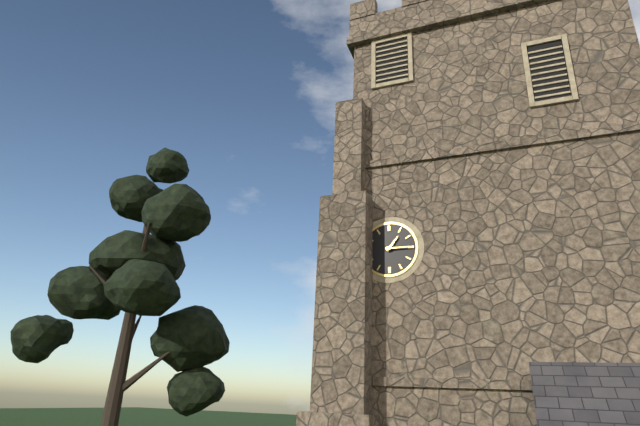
1:15
